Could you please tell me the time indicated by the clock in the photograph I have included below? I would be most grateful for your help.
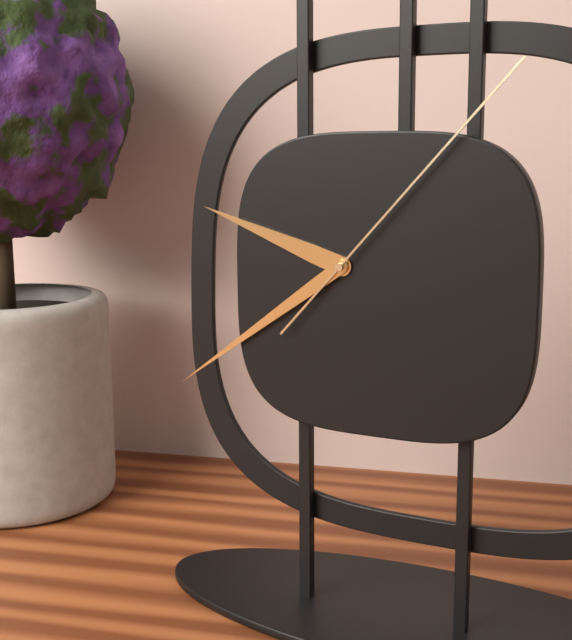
9:39:07
